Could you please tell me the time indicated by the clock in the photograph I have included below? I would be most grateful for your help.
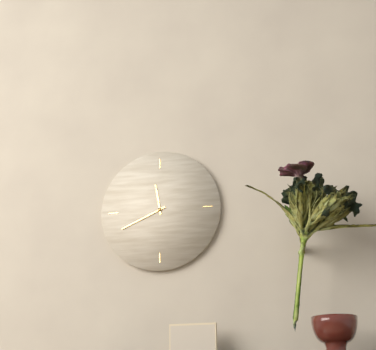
11:41
